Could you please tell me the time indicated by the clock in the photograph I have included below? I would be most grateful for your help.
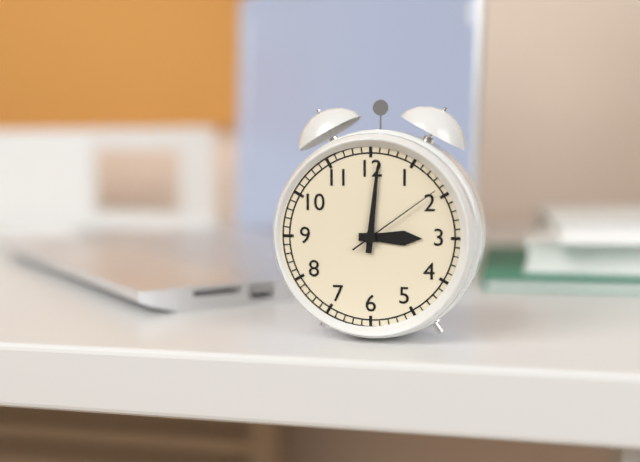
3:01:09
